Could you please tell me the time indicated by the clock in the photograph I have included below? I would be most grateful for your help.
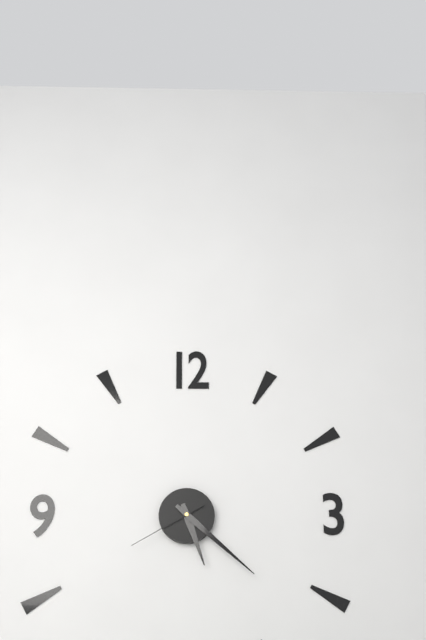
5:22:40
